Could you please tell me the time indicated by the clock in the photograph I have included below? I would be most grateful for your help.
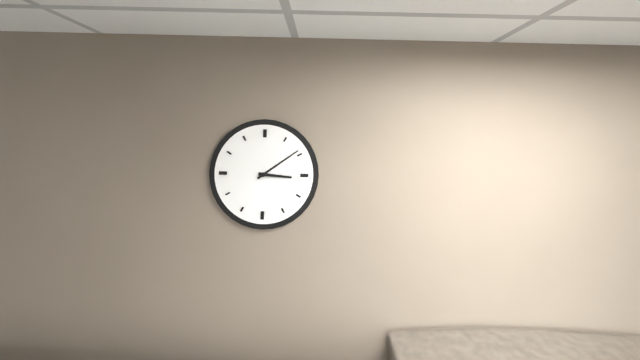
3:09
